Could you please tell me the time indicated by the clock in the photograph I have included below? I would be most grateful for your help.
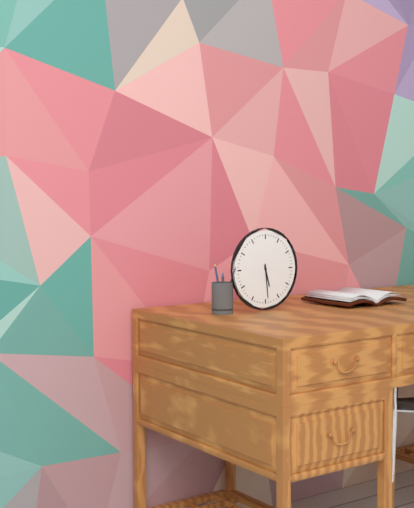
5:29
